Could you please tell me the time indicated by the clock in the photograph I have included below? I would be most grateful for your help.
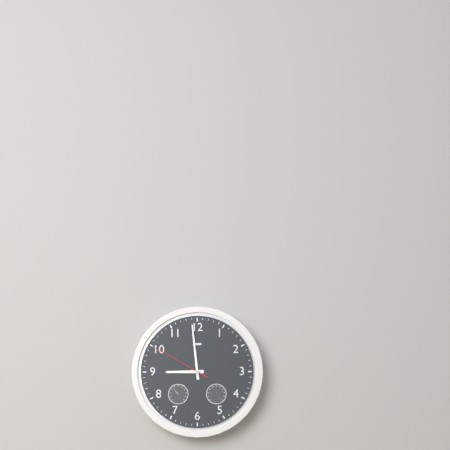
8:59:50
